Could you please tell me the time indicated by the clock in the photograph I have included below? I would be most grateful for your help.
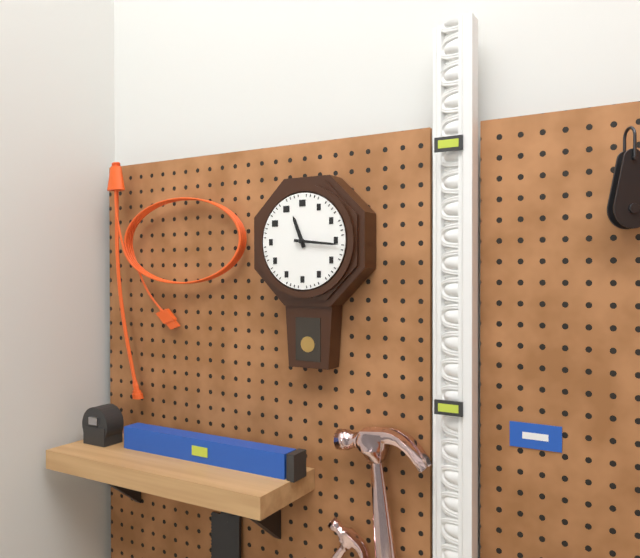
11:16
